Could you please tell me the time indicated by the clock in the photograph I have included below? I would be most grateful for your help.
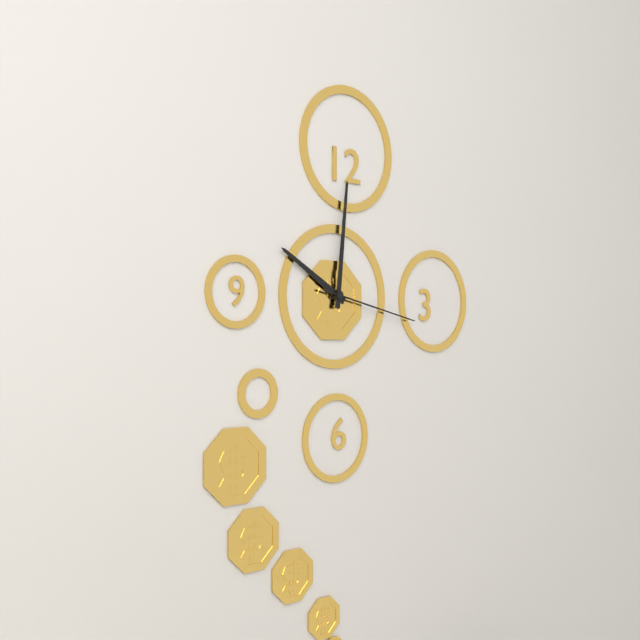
10:01:17
